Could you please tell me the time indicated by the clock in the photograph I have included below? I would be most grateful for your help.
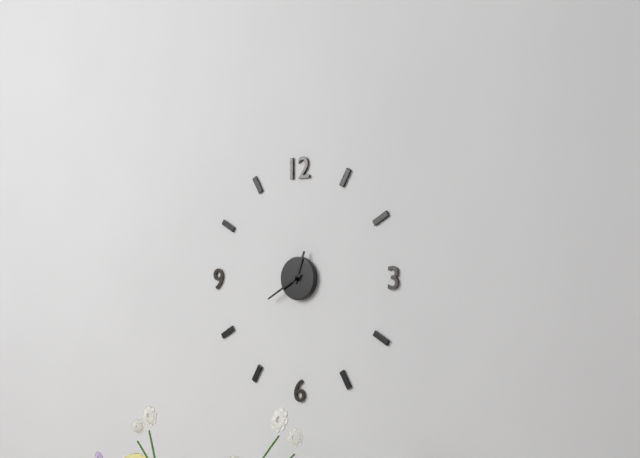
12:40
